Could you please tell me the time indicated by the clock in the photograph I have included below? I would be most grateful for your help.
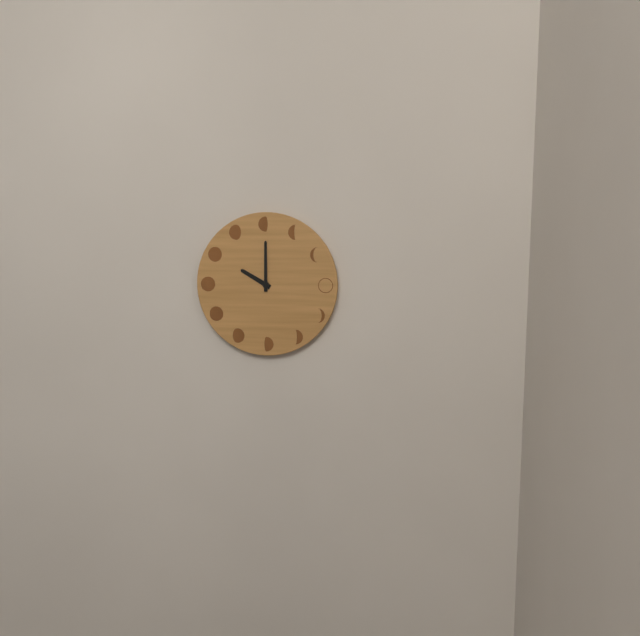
10:00
